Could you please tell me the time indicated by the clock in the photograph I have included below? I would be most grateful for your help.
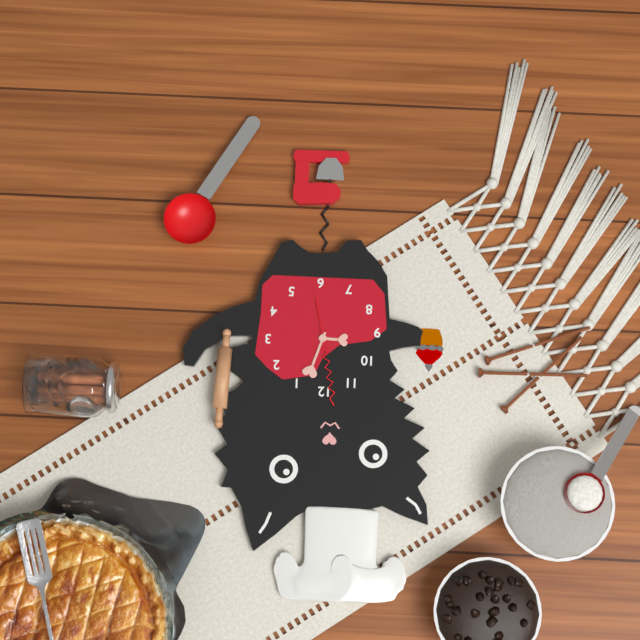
9:03:58
